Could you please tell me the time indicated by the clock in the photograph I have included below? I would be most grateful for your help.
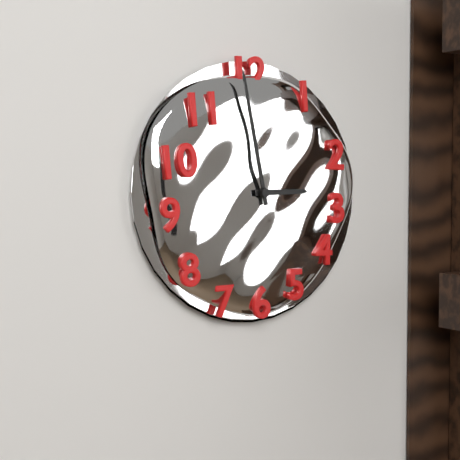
2:58
